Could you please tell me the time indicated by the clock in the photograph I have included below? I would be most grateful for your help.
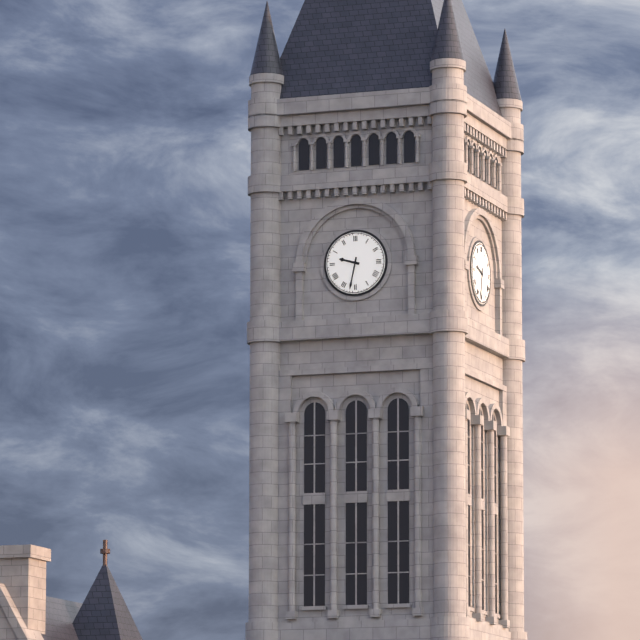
9:32
